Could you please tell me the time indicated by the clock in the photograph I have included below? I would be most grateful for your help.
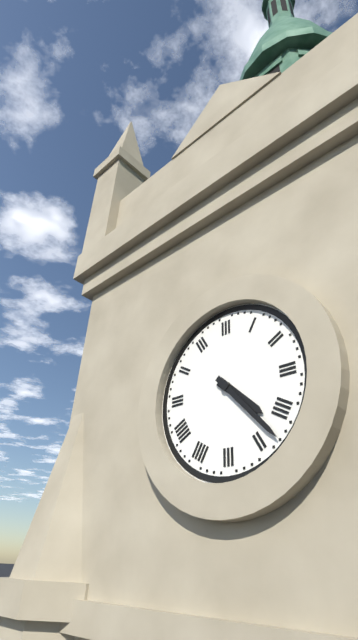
4:23
